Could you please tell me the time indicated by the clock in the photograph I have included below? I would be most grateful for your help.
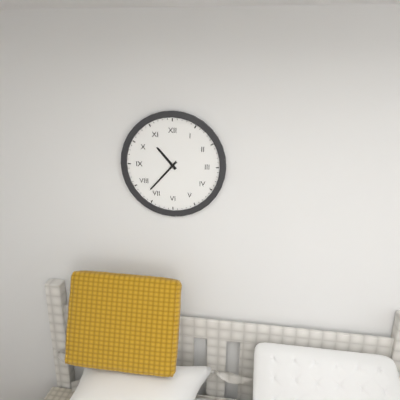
10:37
